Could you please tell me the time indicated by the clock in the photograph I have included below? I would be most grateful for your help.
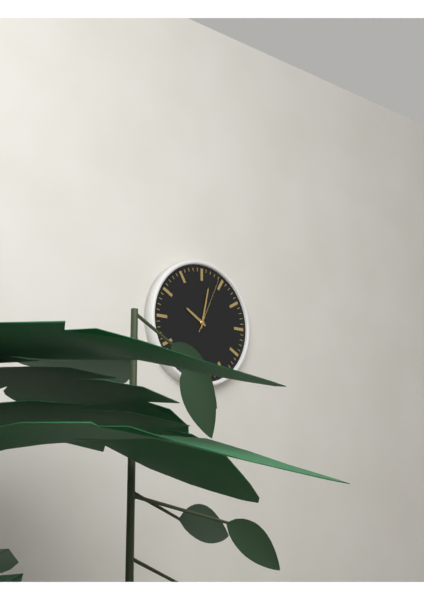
10:02:04
